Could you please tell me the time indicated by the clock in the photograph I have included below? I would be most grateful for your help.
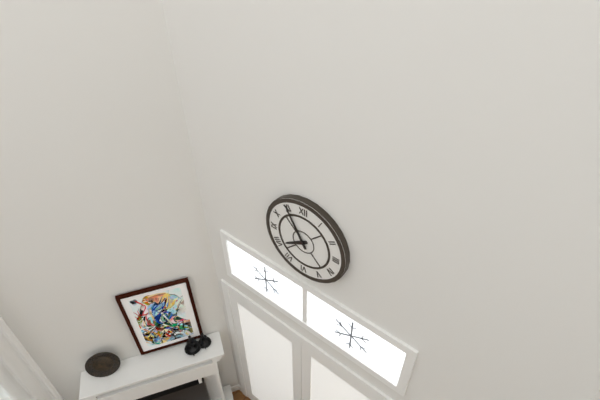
7:55
